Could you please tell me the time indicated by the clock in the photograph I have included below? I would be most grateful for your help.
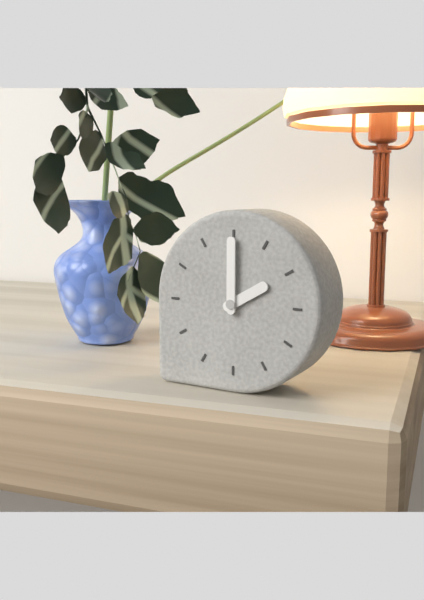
2:00
